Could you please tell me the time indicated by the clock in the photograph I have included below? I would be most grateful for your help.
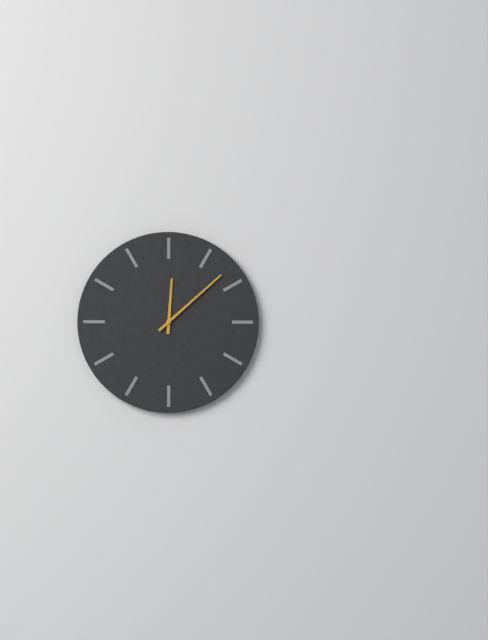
12:08
